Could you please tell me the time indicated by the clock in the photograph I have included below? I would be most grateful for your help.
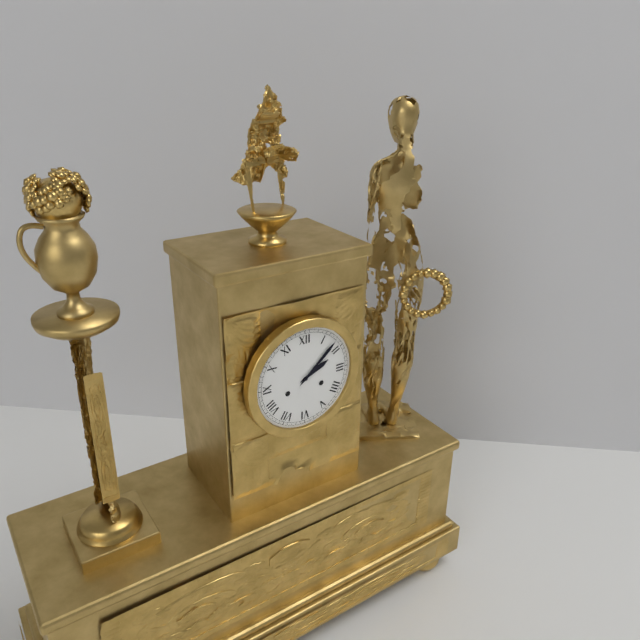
2:08
